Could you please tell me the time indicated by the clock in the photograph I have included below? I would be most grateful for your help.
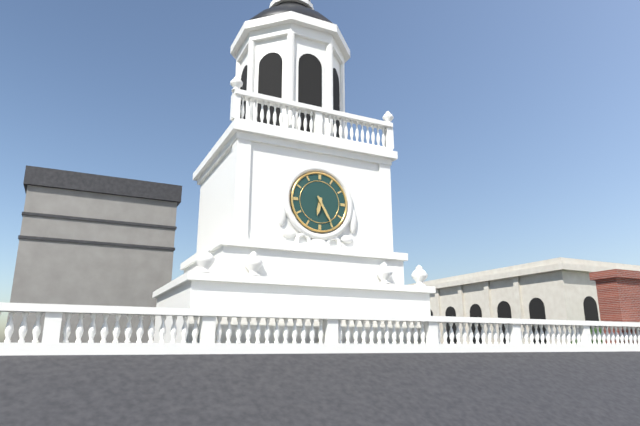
6:25
